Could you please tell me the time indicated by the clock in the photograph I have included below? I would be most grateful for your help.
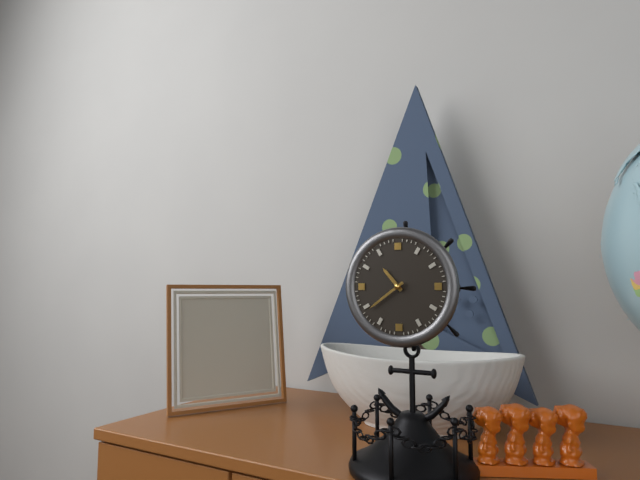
10:39
